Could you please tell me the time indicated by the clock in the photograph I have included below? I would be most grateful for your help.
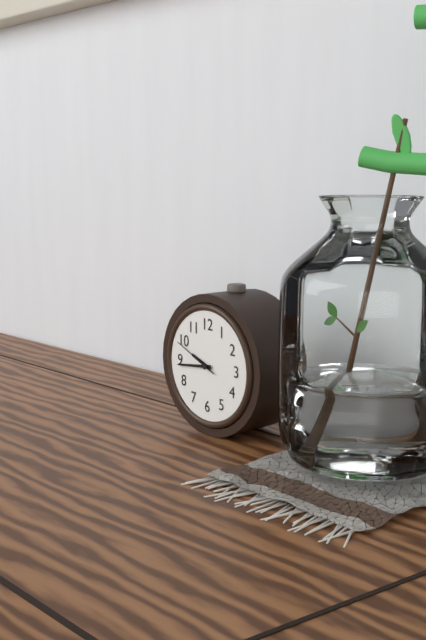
9:44
